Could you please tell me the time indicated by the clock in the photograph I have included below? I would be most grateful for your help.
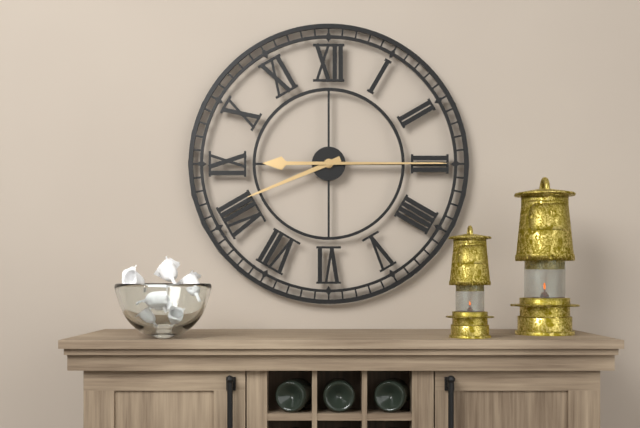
8:15
